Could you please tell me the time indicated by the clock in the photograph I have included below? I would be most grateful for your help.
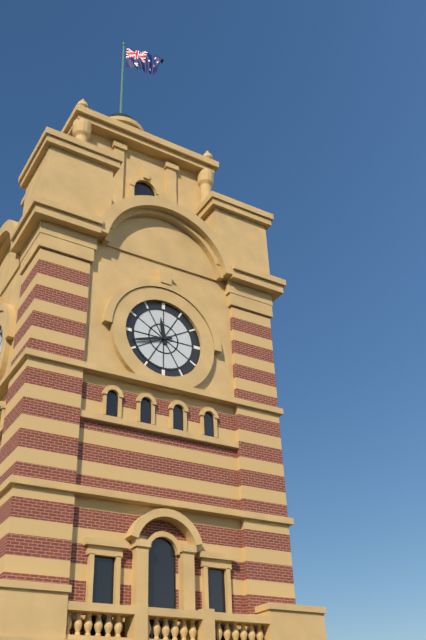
11:42
